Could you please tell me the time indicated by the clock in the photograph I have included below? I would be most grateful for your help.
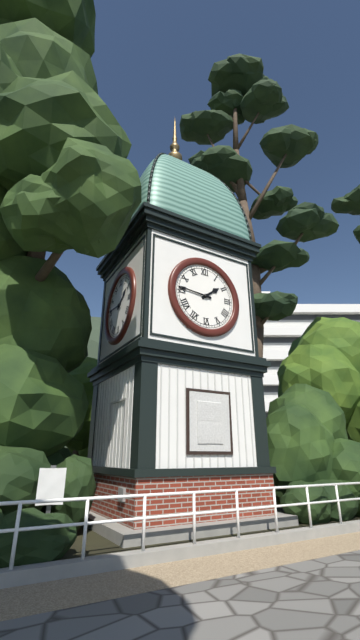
1:46
